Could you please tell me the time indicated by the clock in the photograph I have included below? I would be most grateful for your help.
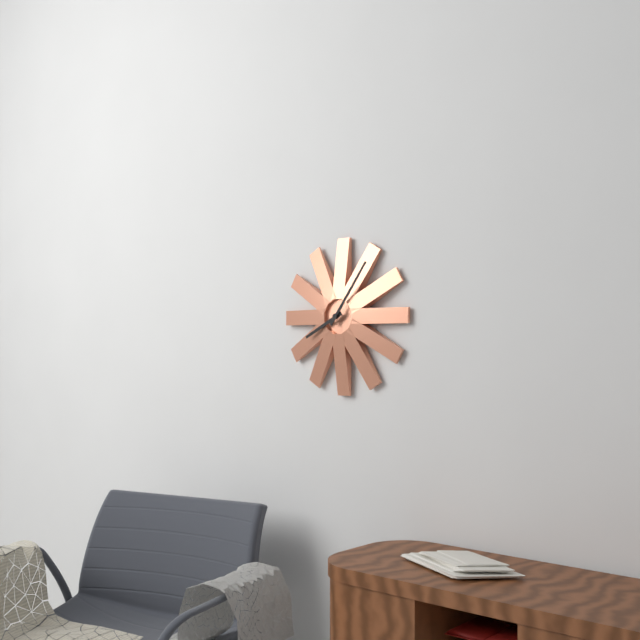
8:06
